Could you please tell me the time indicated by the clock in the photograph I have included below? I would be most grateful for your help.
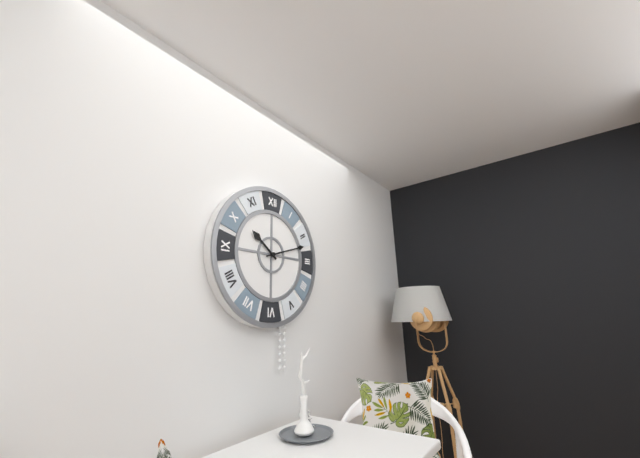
10:12
